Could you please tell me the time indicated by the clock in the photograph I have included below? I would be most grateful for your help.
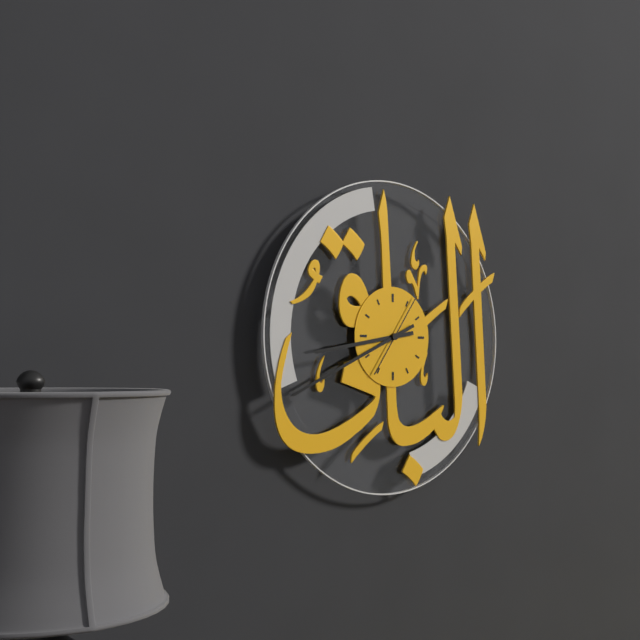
8:41:06
